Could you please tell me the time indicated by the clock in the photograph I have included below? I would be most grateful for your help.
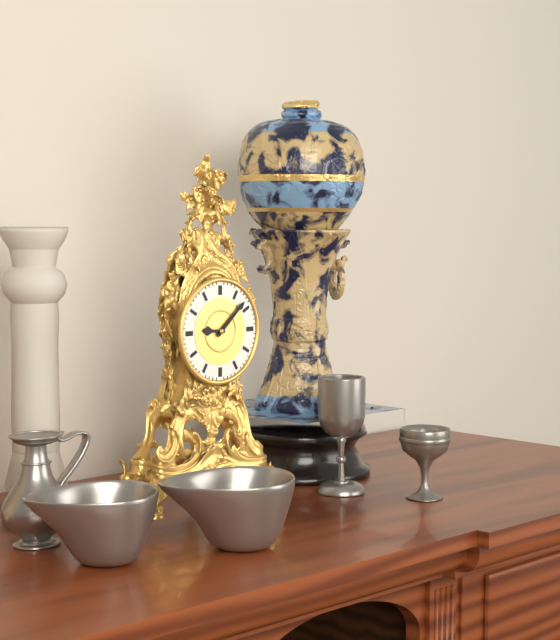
9:08
